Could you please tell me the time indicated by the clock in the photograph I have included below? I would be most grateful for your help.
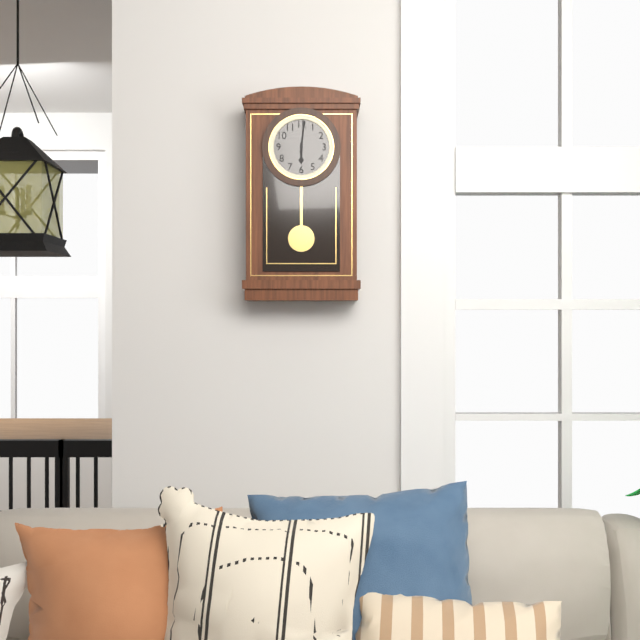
6:01
